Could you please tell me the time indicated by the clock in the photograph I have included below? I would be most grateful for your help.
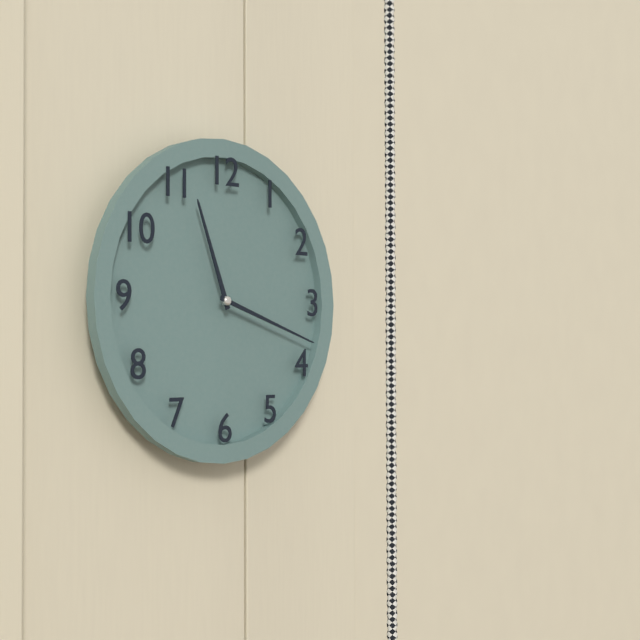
11:18
